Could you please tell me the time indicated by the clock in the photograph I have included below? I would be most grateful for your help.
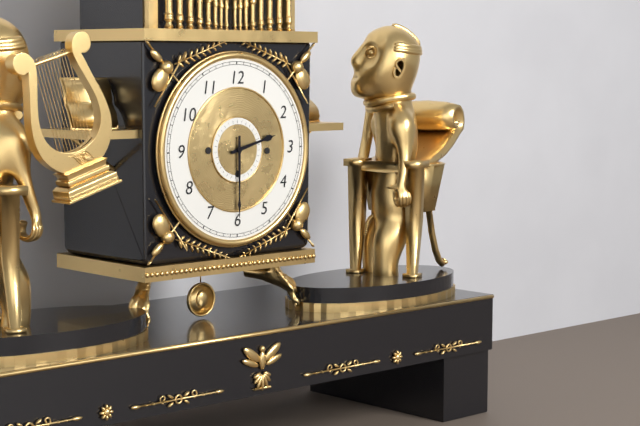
2:30
